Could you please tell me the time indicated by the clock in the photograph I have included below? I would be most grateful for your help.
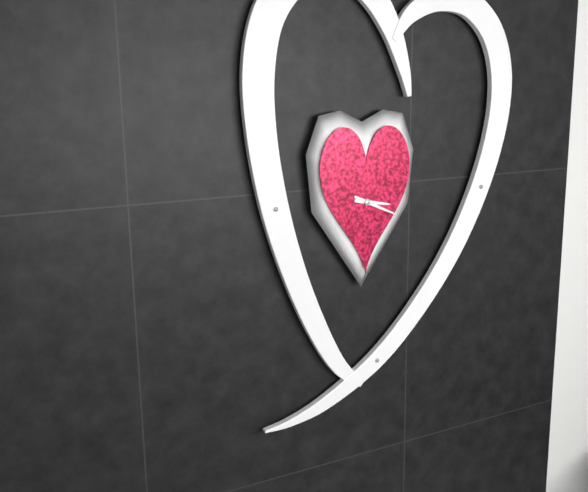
3:19
